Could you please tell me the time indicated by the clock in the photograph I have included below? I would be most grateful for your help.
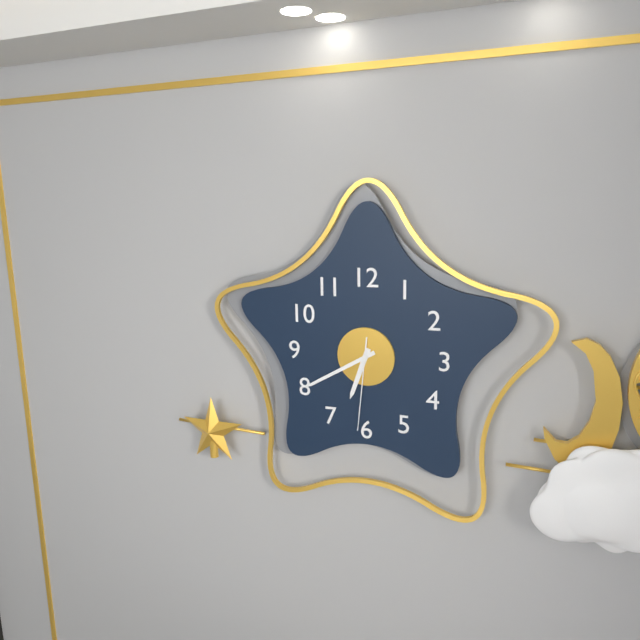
6:40:31
